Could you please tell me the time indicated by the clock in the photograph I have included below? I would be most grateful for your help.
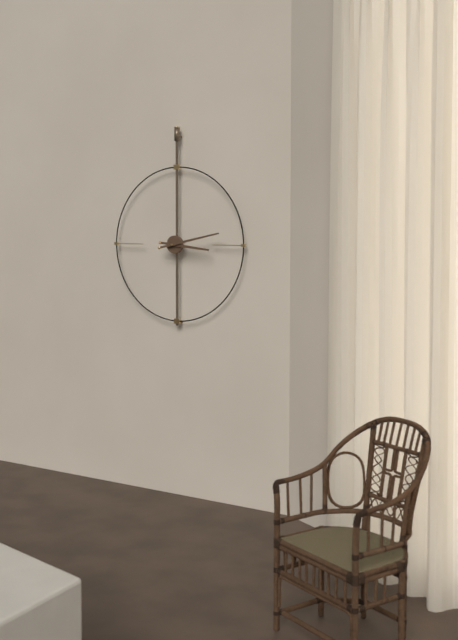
3:13
